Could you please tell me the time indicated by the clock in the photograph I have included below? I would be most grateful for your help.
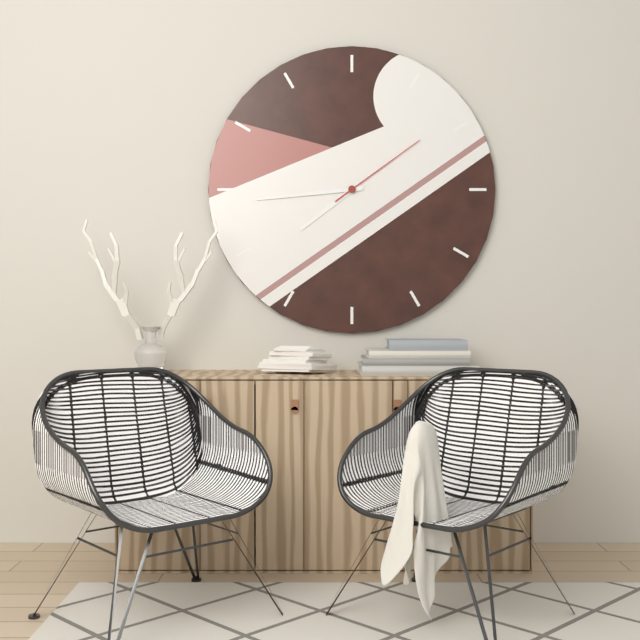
7:44:09
